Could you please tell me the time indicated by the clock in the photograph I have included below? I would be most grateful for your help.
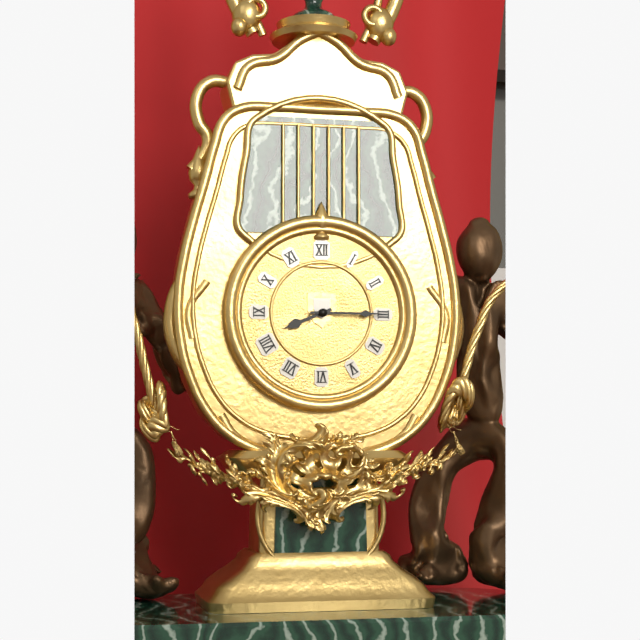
8:15
